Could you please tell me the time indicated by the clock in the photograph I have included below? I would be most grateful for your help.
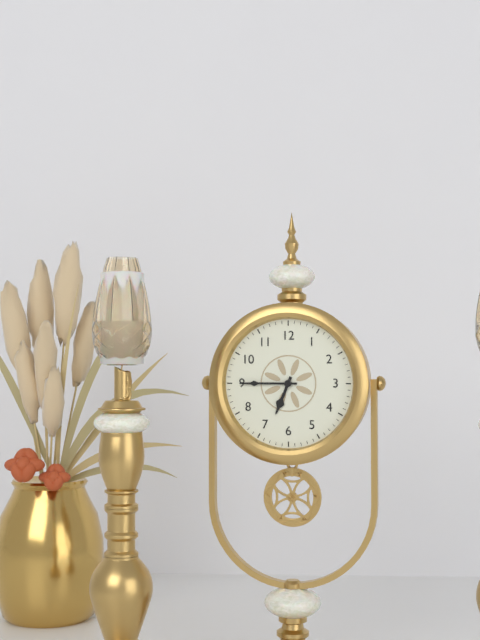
6:45
